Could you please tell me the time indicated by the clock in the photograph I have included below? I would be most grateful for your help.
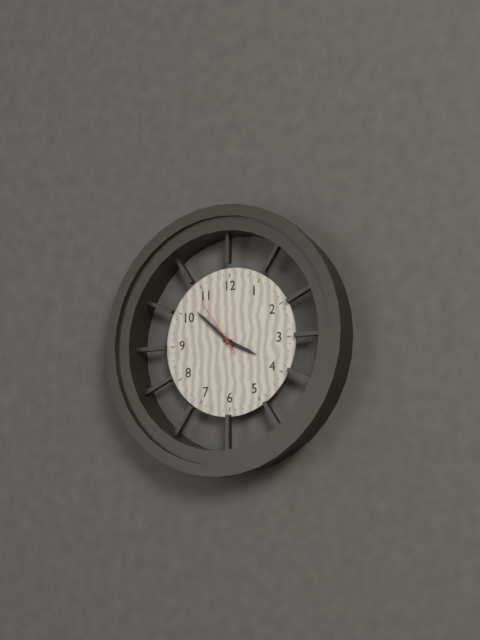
3:52:54
